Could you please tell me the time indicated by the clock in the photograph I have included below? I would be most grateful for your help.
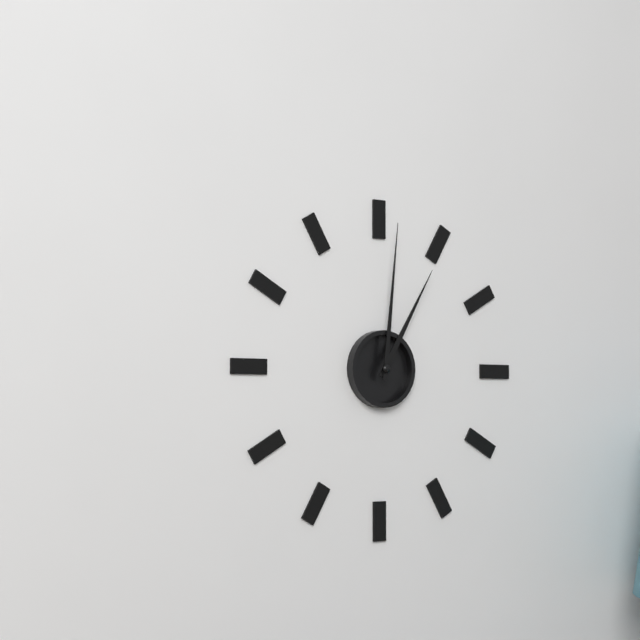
1:01
